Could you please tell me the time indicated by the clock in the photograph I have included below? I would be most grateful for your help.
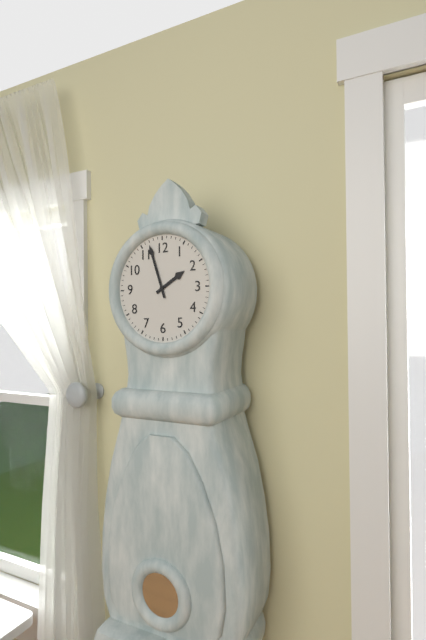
1:57
